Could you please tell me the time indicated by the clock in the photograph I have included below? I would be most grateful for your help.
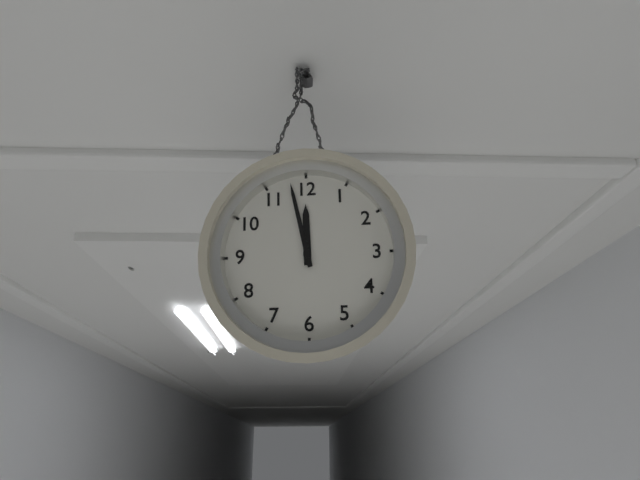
11:58
